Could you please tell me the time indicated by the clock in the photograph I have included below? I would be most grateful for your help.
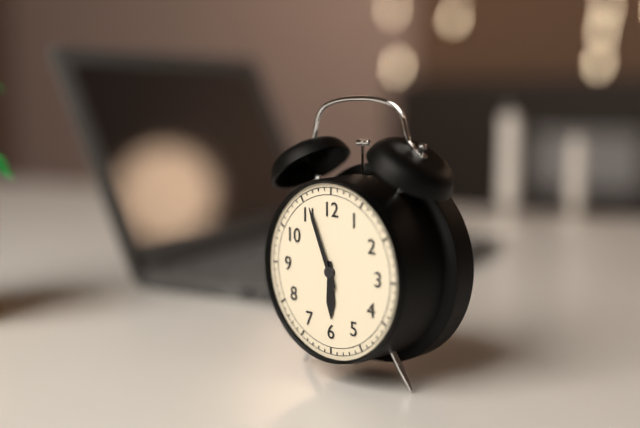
5:56
